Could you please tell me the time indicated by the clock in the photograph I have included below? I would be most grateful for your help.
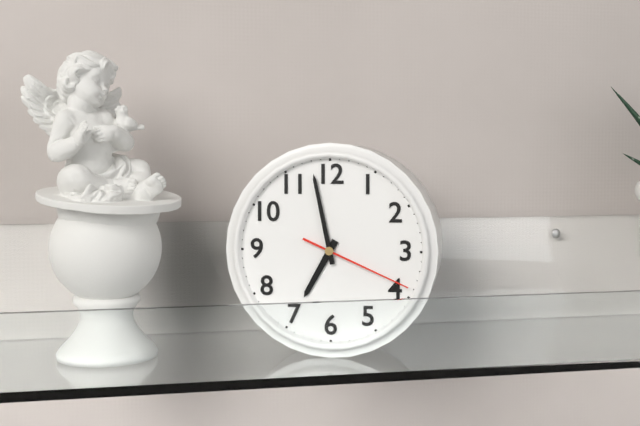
6:58:19
